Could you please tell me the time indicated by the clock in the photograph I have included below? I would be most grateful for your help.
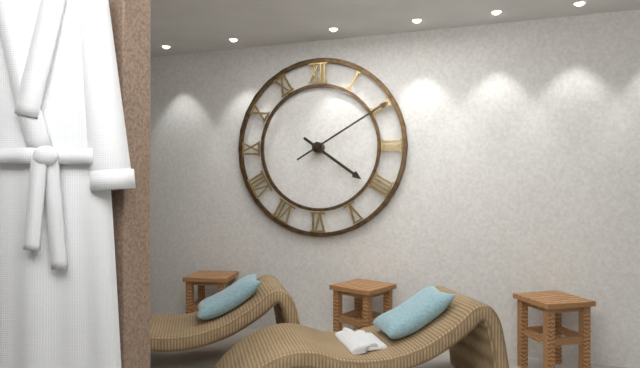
4:10
